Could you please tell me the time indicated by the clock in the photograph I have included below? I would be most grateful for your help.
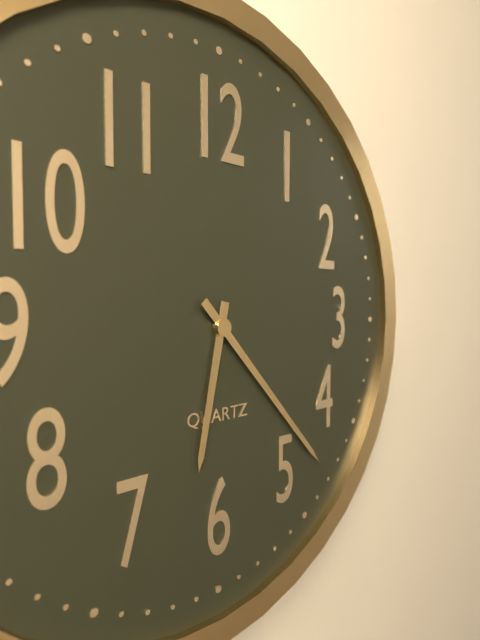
6:23
